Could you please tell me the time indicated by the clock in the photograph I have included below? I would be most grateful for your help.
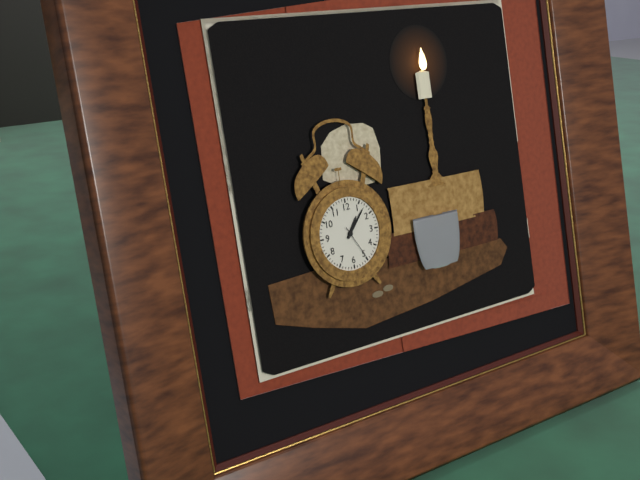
1:07
